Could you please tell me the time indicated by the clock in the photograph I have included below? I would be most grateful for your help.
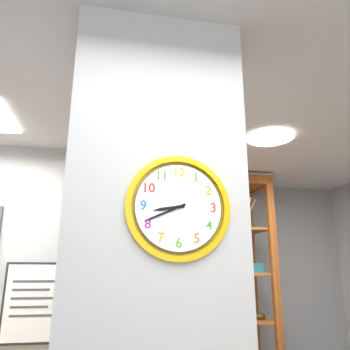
8:41
